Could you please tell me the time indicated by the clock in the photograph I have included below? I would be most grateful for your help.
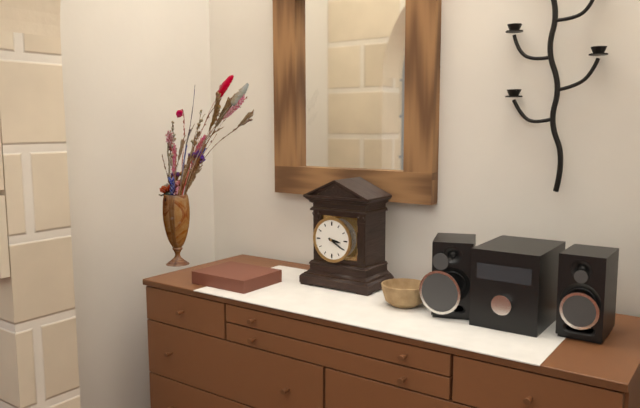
3:20
